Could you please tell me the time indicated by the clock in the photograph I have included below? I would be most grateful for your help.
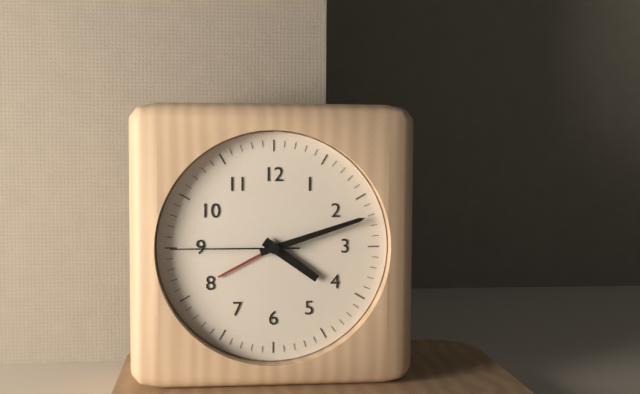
4:12:45
